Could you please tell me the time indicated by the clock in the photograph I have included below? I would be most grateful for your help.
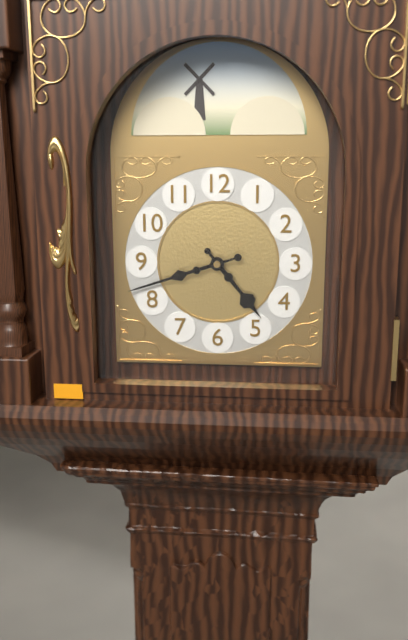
4:42
